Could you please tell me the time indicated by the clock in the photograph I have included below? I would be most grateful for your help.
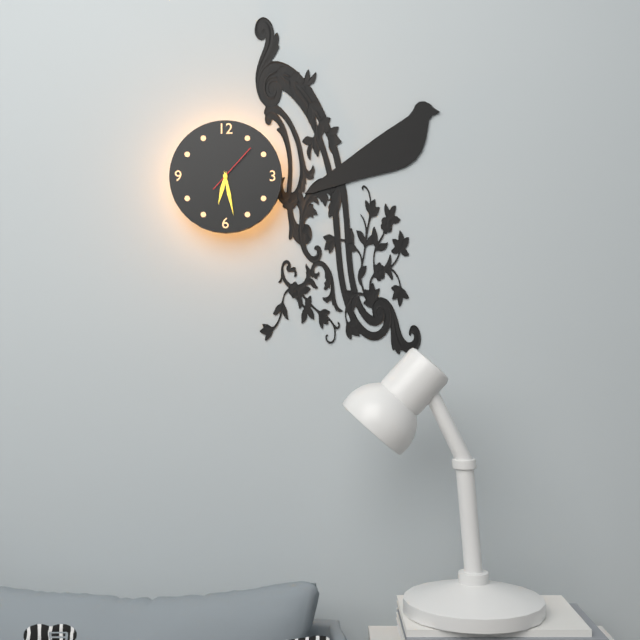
6:28
